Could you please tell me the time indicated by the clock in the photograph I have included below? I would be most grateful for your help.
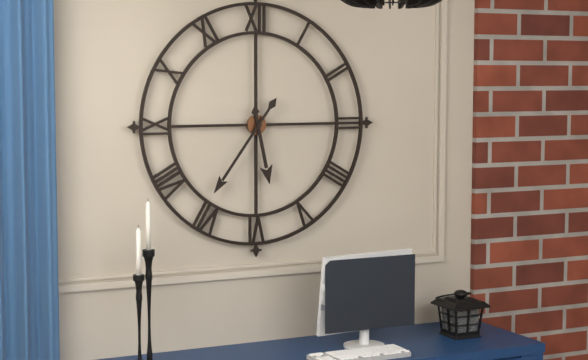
5:36
